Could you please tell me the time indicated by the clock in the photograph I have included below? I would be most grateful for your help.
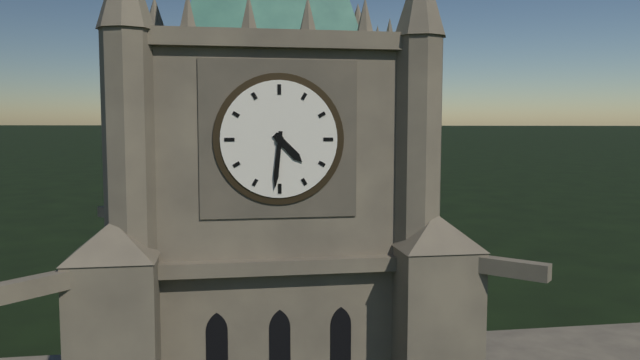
4:31
